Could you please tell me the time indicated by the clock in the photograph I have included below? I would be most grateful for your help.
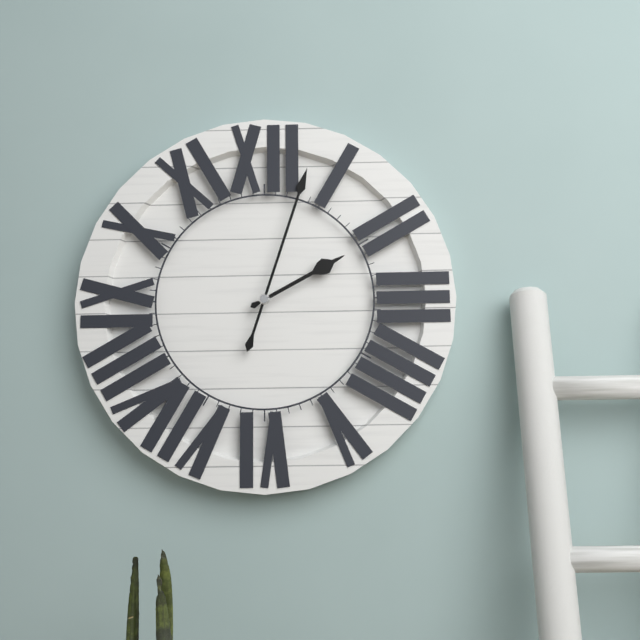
2:03
